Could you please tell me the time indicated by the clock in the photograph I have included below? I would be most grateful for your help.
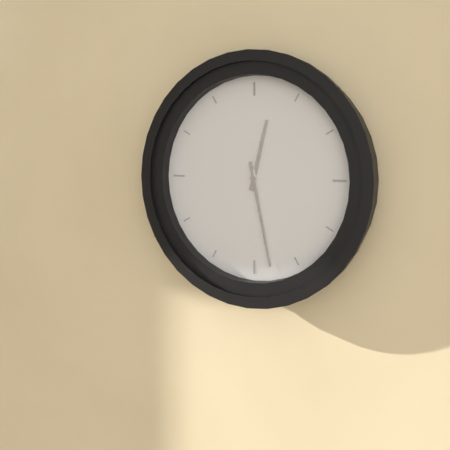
12:28
